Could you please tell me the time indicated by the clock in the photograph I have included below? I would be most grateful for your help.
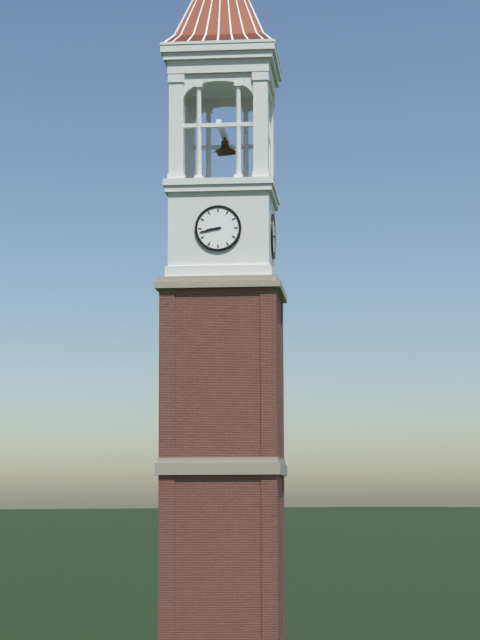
8:43
